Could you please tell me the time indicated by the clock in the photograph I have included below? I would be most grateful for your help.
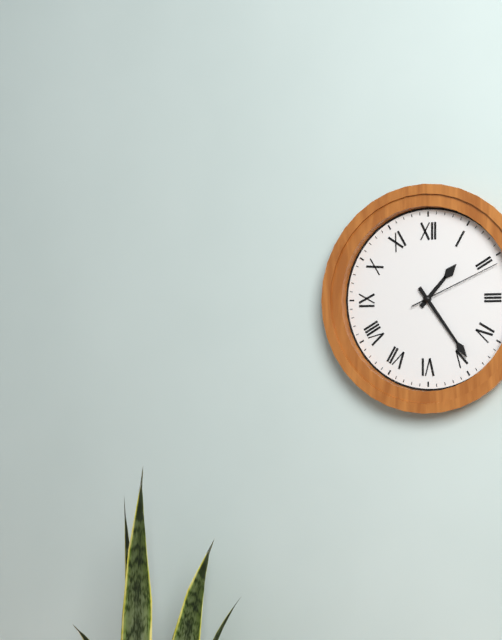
1:24:11
